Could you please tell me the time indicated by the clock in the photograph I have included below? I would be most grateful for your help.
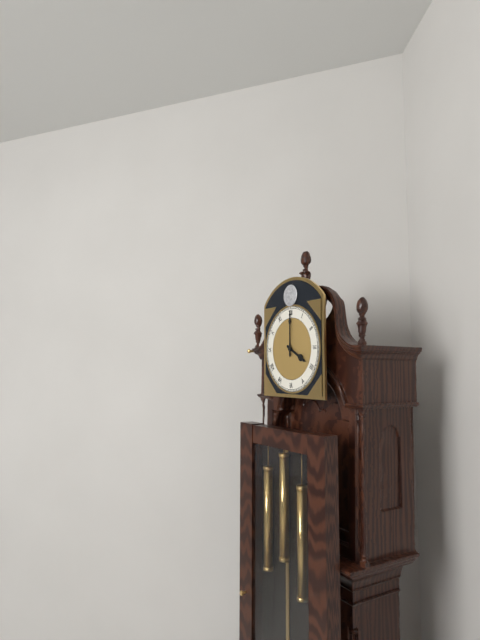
4:00
